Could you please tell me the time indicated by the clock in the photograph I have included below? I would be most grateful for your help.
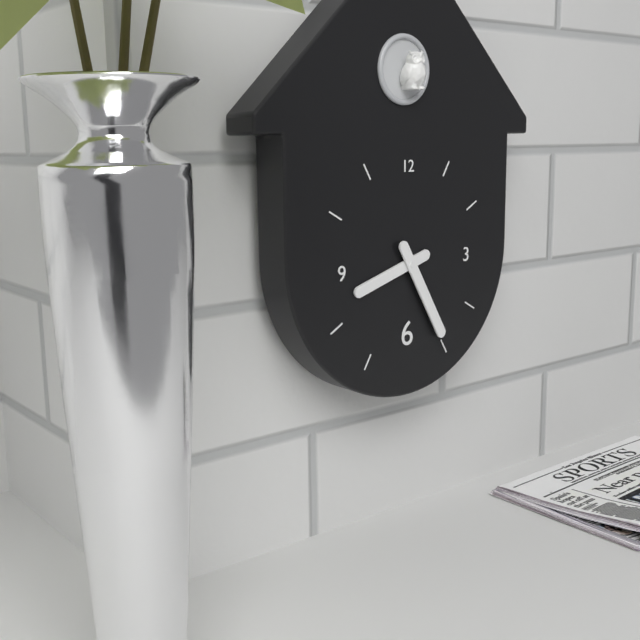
8:25
